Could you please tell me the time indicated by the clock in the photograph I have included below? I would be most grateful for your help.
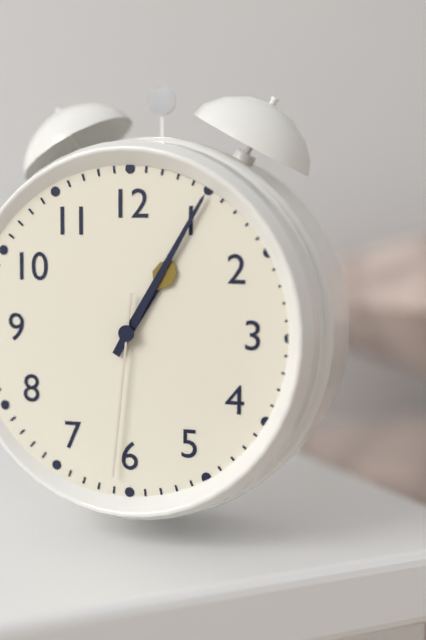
1:05:31
